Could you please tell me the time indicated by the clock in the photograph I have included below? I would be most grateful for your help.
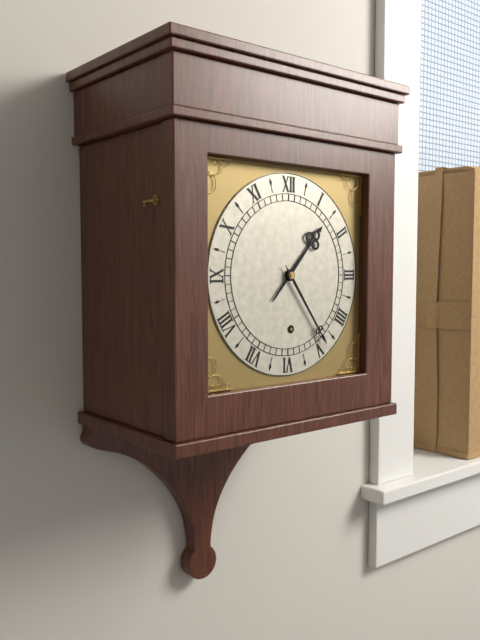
1:24
